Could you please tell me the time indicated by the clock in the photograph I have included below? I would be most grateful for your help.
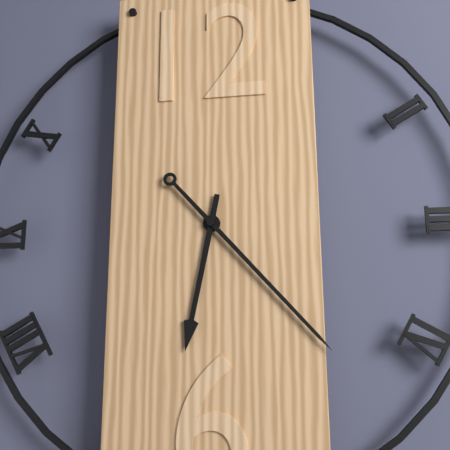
6:23
